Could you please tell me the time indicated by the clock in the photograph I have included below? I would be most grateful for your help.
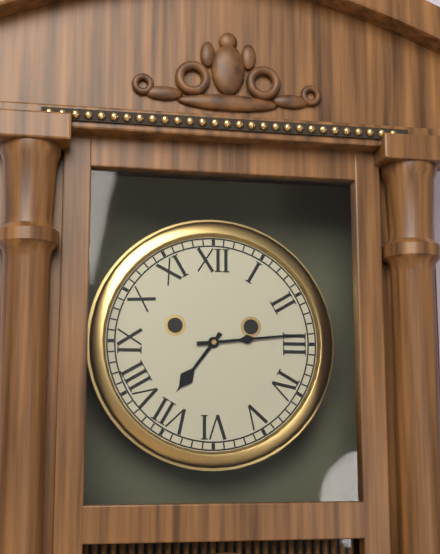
7:14
